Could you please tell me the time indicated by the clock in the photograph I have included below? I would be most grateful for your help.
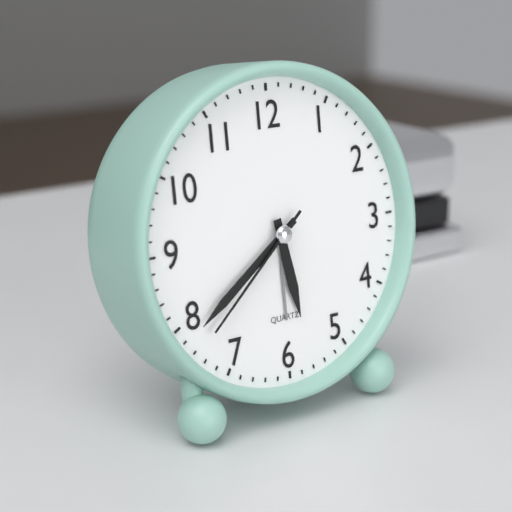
5:39:38
